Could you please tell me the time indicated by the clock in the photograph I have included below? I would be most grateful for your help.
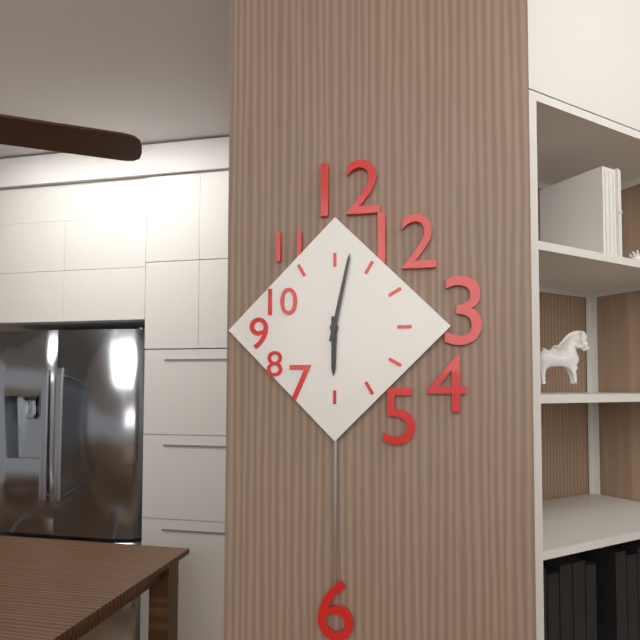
6:02
